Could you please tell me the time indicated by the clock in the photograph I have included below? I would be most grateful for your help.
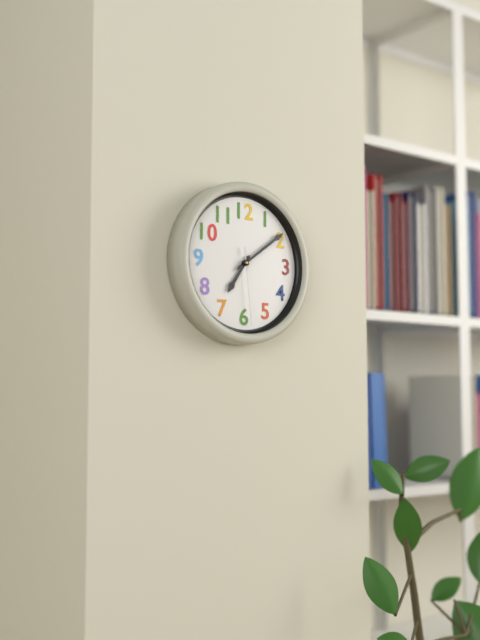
7:09:29
